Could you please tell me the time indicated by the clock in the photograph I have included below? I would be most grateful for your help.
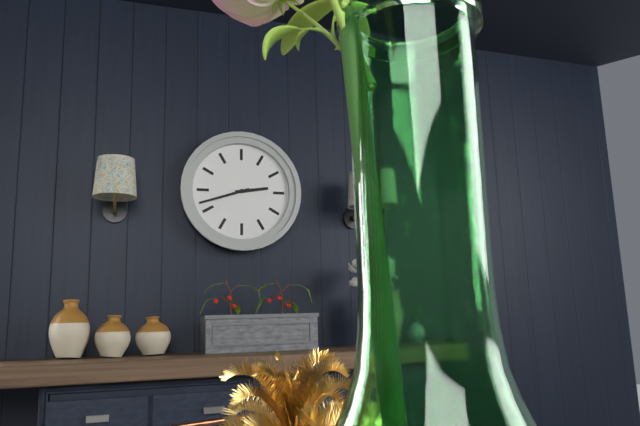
2:42
